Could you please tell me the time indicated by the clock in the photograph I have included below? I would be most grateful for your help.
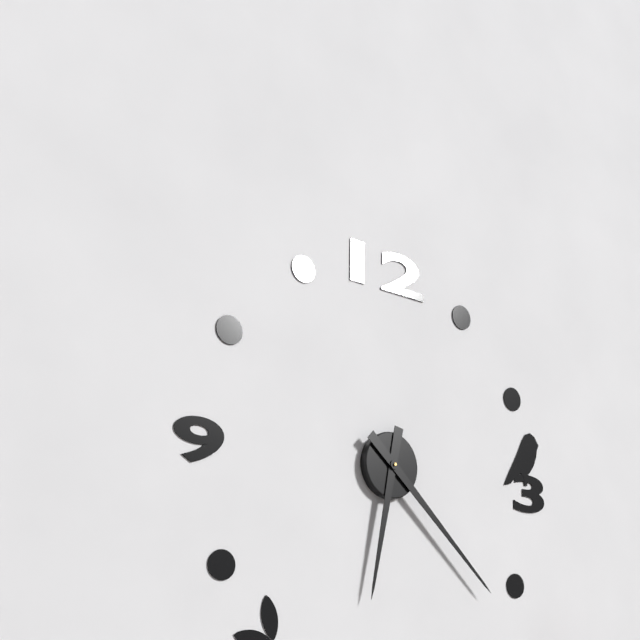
6:22
